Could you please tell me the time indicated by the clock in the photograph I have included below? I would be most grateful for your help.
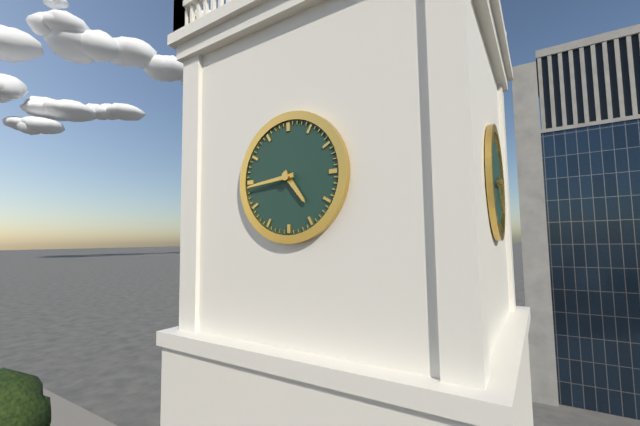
4:44
